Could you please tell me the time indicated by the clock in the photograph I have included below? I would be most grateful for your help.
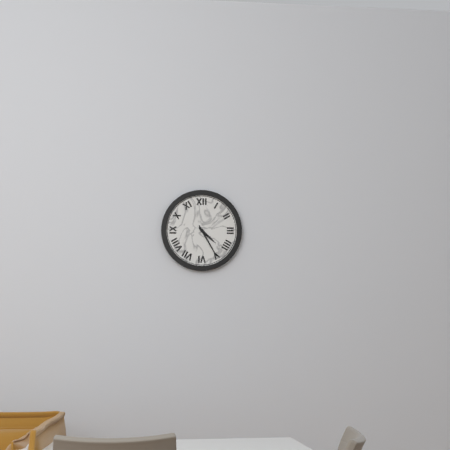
4:25
